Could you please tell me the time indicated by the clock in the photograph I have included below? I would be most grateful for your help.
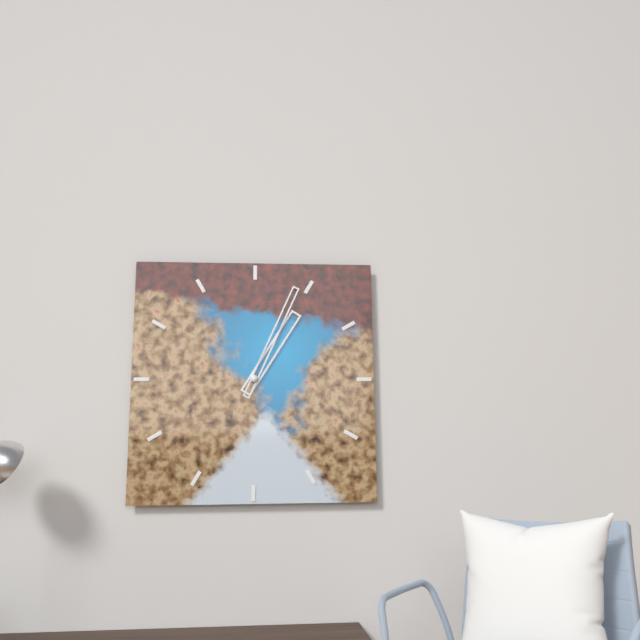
1:04
